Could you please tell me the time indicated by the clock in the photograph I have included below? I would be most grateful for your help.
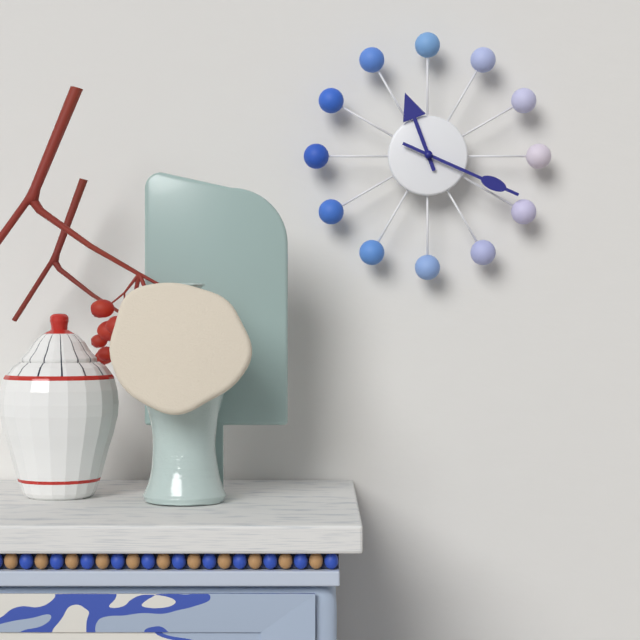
11:19
